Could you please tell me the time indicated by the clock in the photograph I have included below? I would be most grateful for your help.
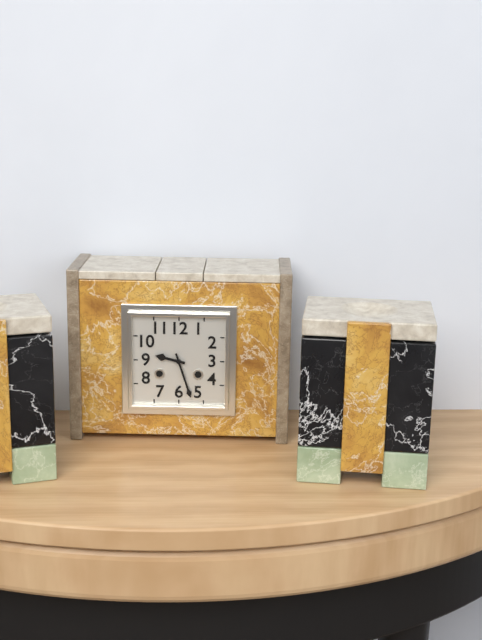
9:27
